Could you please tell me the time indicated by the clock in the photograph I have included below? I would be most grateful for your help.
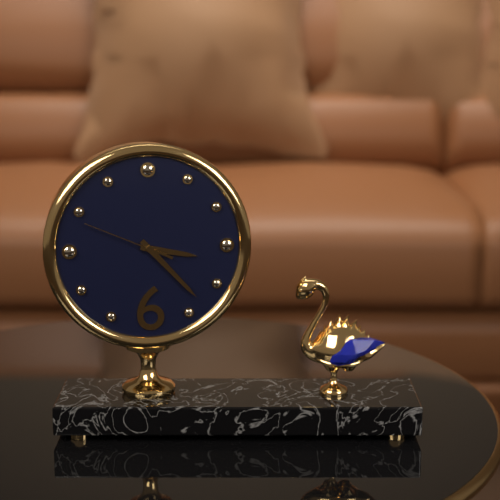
3:23:49
